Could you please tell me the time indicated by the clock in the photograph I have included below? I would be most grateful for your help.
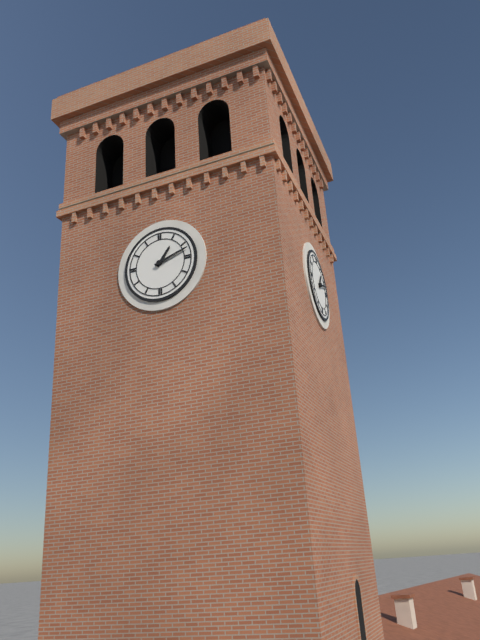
1:12
